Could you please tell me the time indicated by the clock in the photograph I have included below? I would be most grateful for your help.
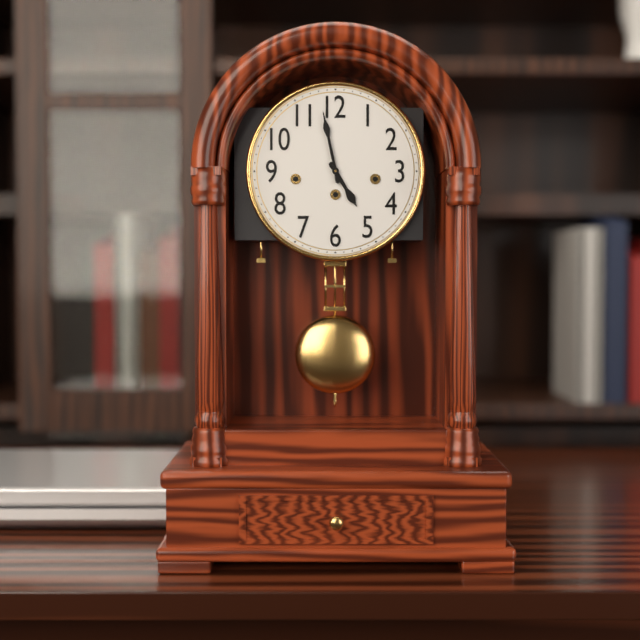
4:58
